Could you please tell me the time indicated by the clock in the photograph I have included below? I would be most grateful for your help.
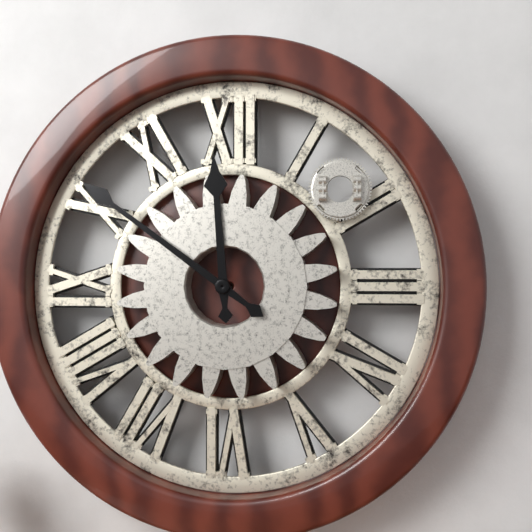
11:51
